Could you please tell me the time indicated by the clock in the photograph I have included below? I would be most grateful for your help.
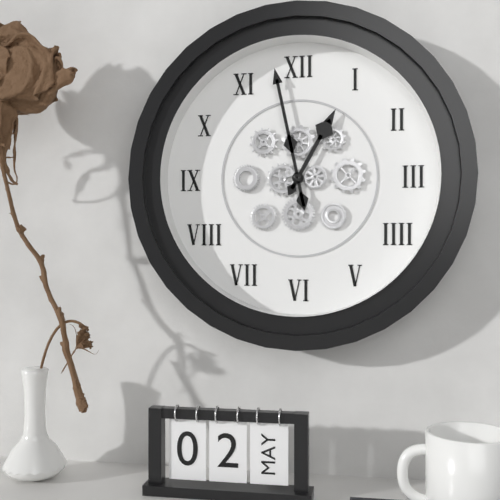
12:58
